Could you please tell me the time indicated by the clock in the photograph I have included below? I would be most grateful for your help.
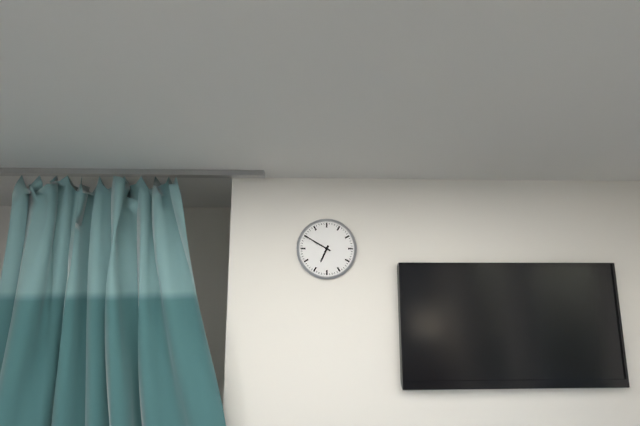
6:50
